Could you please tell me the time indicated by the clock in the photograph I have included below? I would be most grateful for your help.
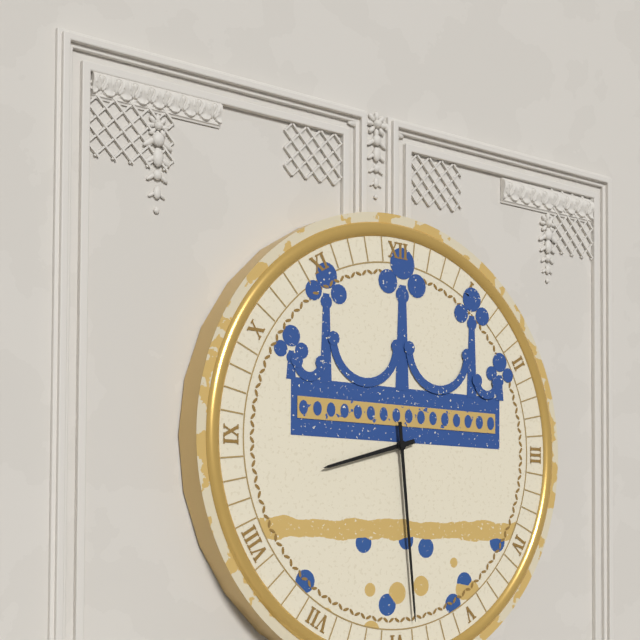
8:29
